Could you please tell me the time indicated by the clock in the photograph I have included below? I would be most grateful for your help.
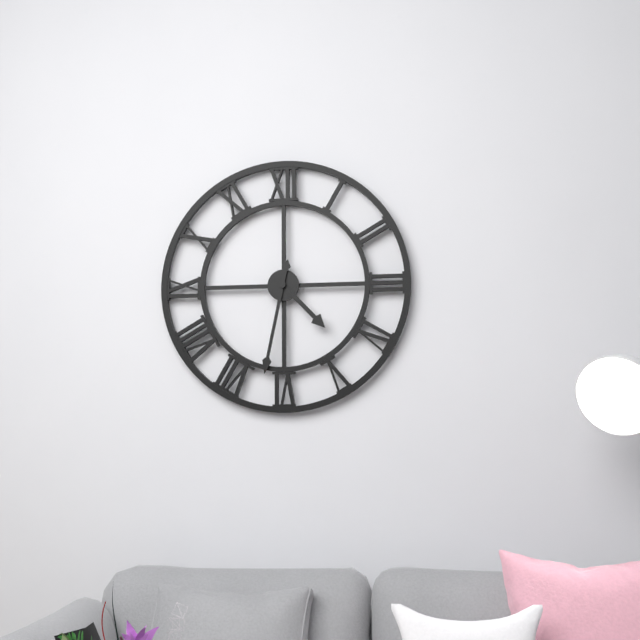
4:32
